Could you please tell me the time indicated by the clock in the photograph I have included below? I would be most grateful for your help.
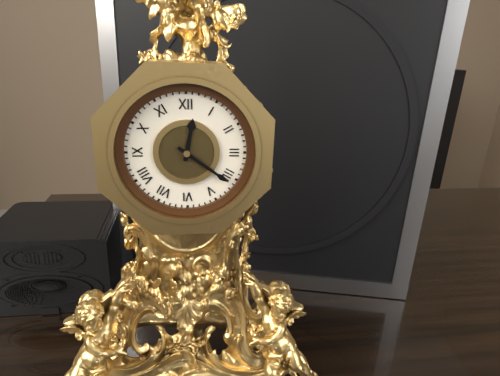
12:21
